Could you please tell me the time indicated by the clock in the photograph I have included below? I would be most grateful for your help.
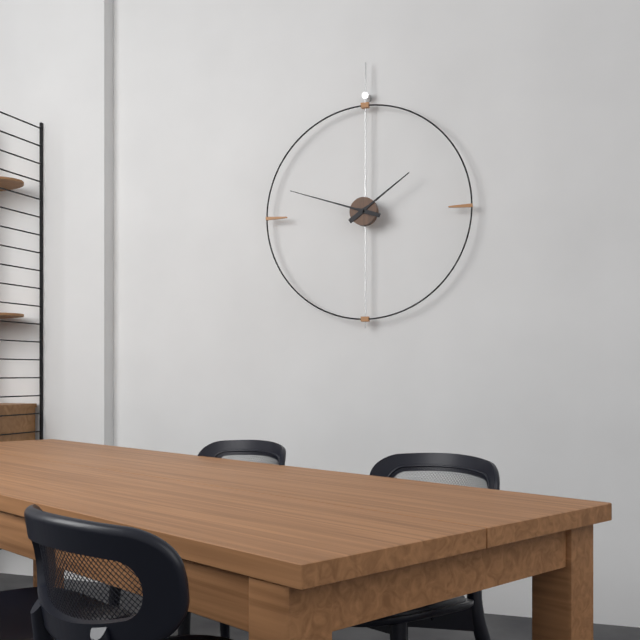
1:48
